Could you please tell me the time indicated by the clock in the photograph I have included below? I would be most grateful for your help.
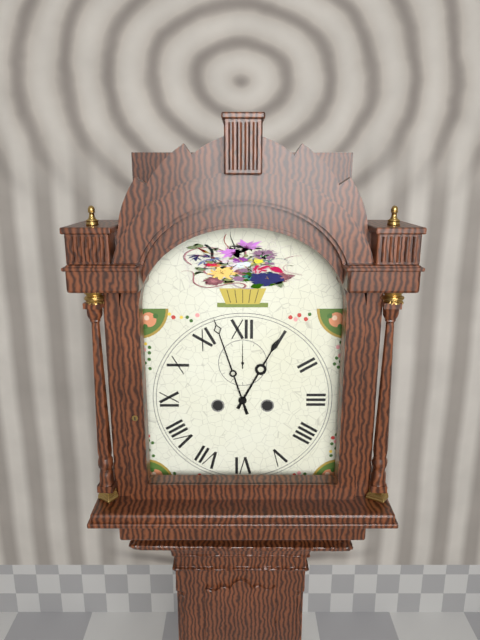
12:57
